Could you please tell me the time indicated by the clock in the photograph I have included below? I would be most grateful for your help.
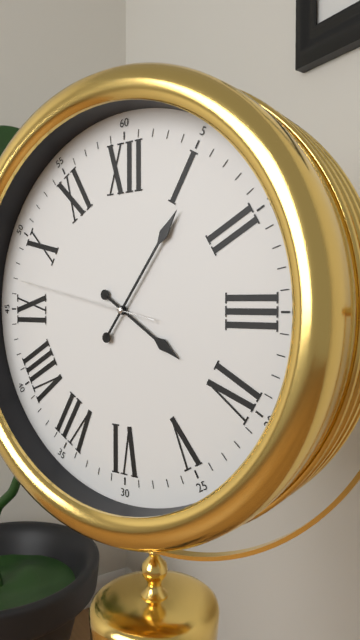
4:06:47
